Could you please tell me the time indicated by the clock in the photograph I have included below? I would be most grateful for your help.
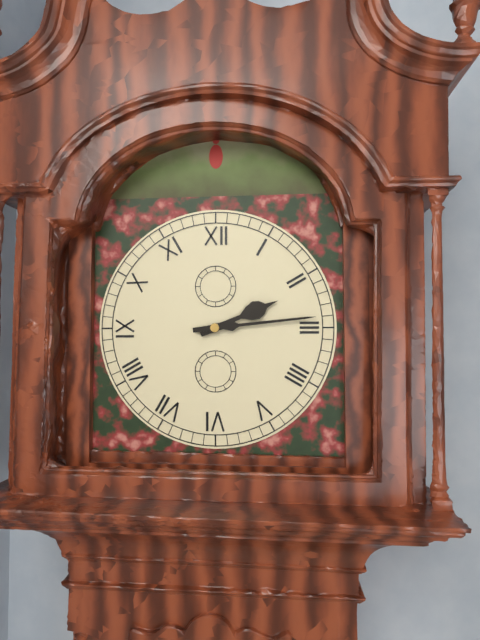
2:14
